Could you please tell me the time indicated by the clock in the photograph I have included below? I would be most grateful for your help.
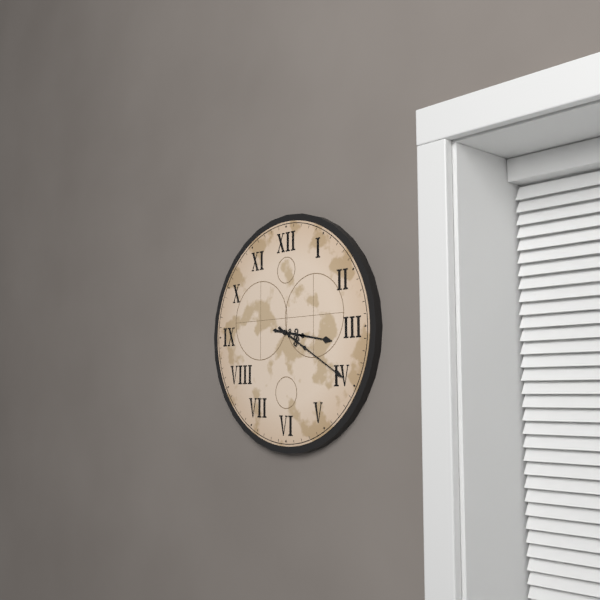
3:20
